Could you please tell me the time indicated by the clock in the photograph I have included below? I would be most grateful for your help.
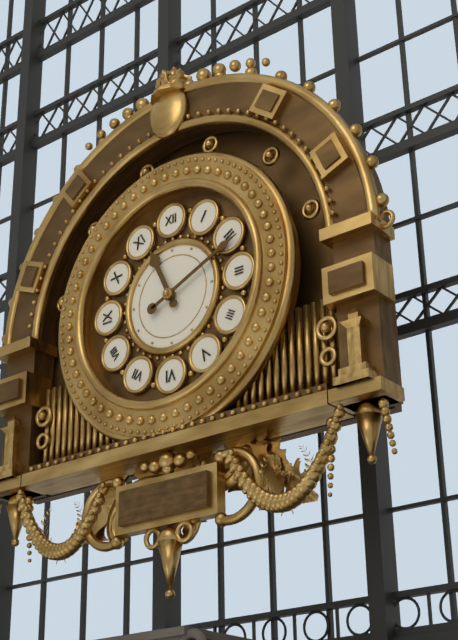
11:11
